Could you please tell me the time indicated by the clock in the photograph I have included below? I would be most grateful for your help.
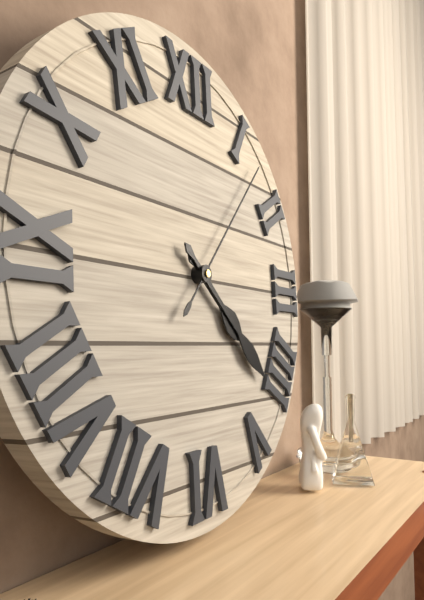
4:22:07
